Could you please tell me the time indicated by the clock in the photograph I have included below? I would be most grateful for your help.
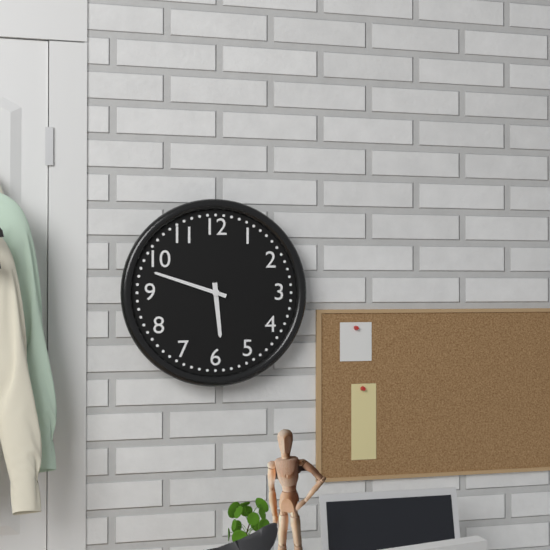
5:48
